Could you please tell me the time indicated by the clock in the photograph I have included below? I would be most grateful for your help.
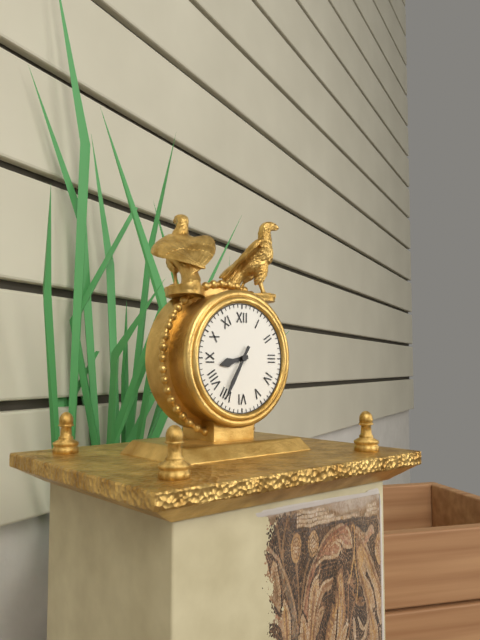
8:35
